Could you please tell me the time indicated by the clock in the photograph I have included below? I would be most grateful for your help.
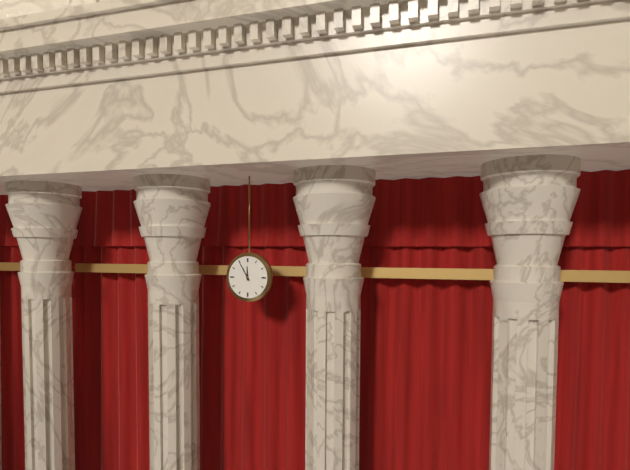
11:55
